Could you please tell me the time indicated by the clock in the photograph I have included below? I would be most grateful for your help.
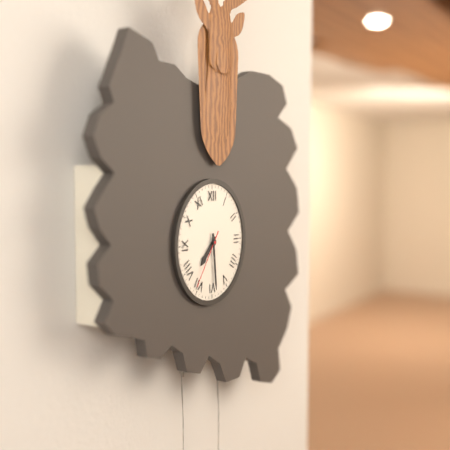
7:29:36
